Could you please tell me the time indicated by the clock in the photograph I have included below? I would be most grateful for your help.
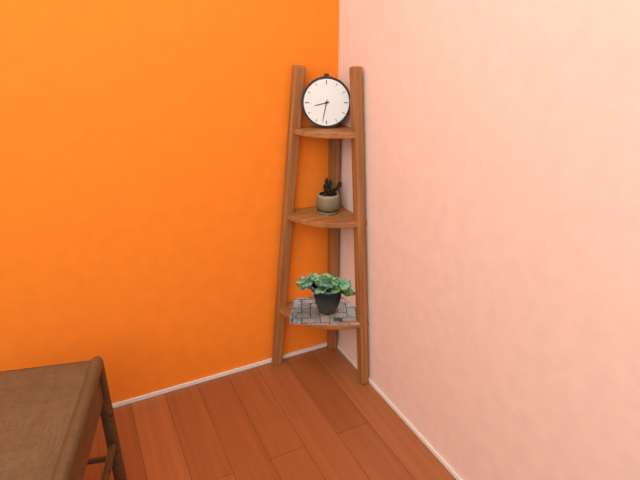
8:32
